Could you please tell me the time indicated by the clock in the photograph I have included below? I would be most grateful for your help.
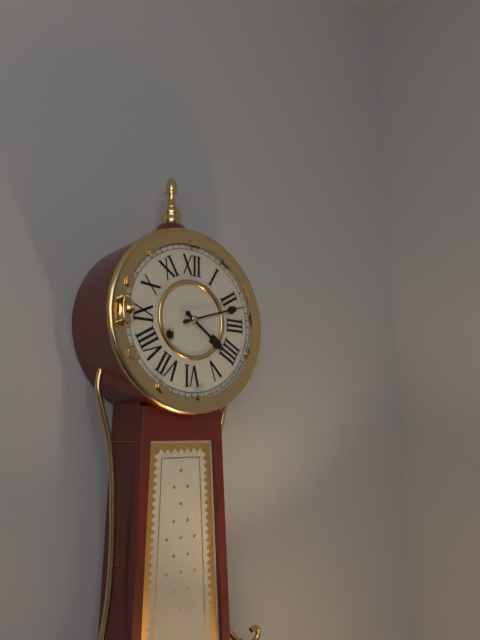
4:12
